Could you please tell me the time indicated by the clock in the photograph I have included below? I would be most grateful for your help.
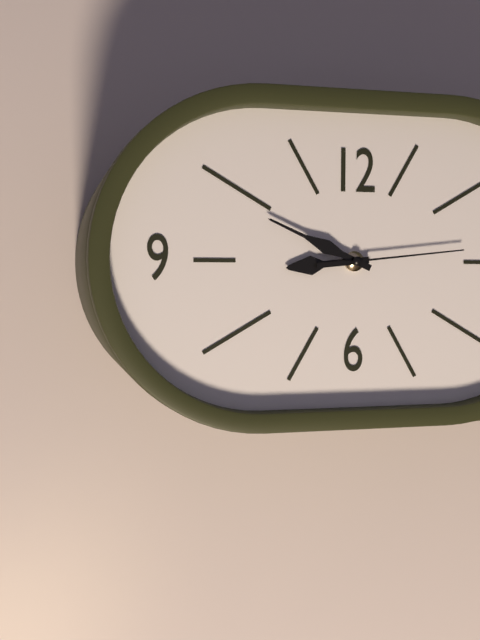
8:49:14
